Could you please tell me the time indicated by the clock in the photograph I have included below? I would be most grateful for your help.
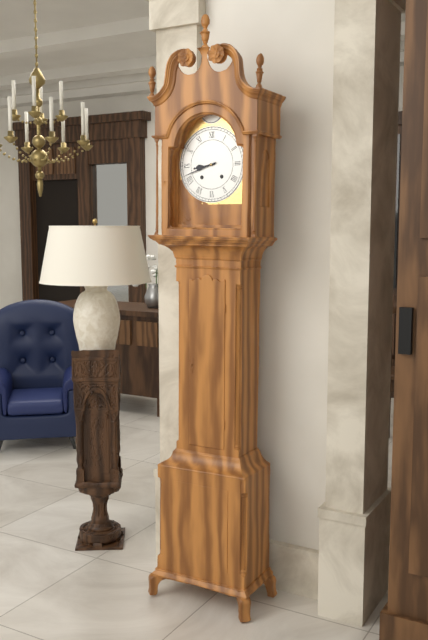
8:42
